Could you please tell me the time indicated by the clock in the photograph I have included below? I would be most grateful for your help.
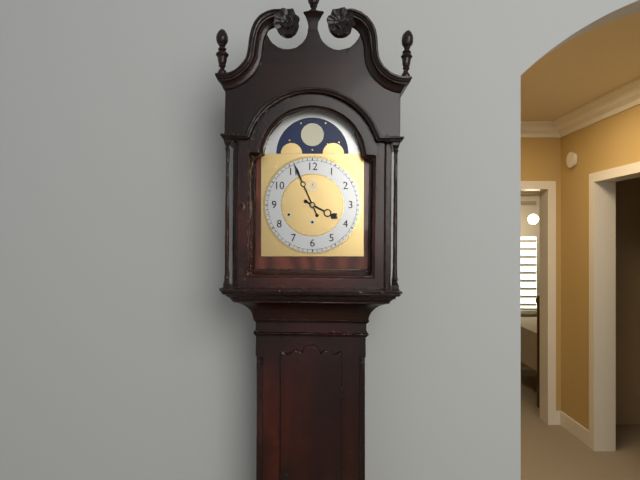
3:56
